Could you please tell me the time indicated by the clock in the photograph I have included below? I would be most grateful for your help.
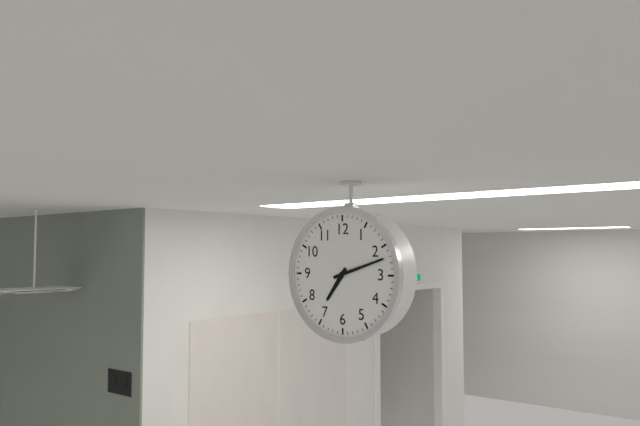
7:12
